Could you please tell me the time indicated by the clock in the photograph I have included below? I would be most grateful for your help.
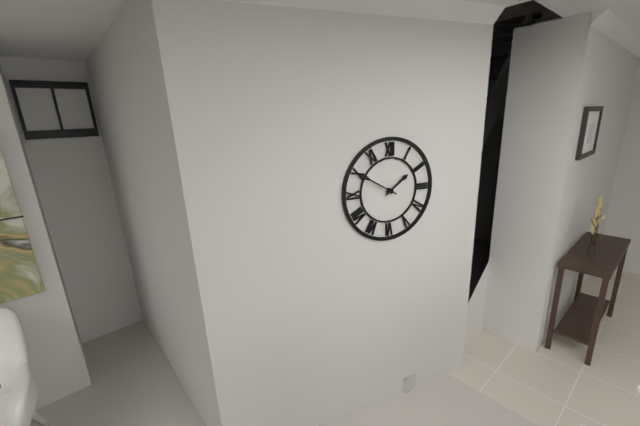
1:50
